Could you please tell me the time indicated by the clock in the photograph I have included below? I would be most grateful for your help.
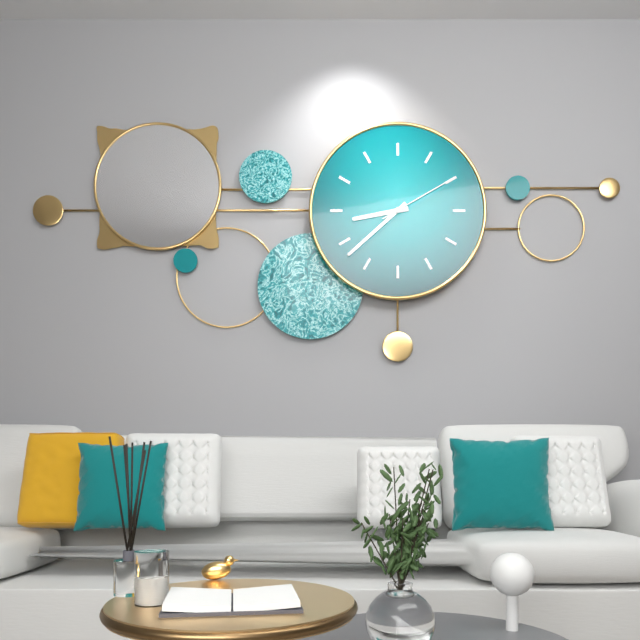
8:38:10
